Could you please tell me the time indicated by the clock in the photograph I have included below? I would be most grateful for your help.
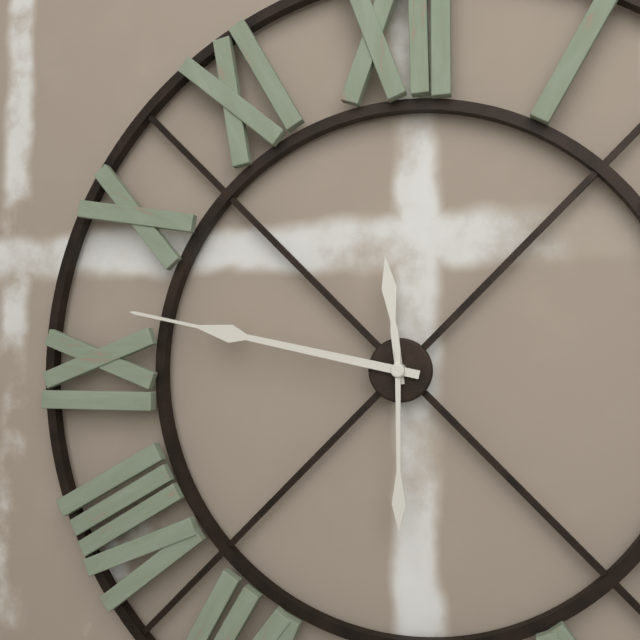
11:47:30
